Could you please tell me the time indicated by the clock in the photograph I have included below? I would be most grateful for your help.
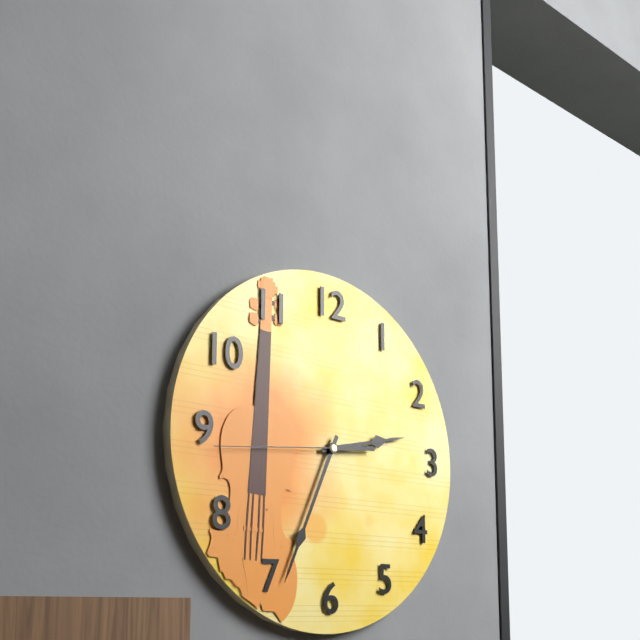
2:34:44
